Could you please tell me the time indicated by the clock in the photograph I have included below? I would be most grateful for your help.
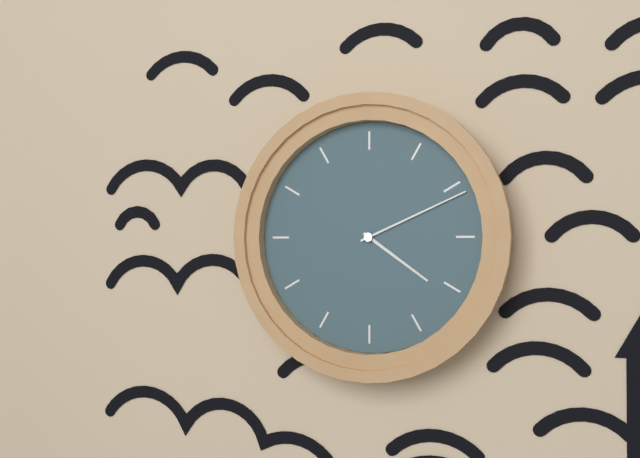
4:11
